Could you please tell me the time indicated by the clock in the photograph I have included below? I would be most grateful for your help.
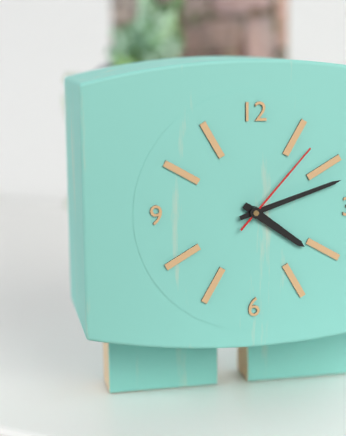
4:12:07
